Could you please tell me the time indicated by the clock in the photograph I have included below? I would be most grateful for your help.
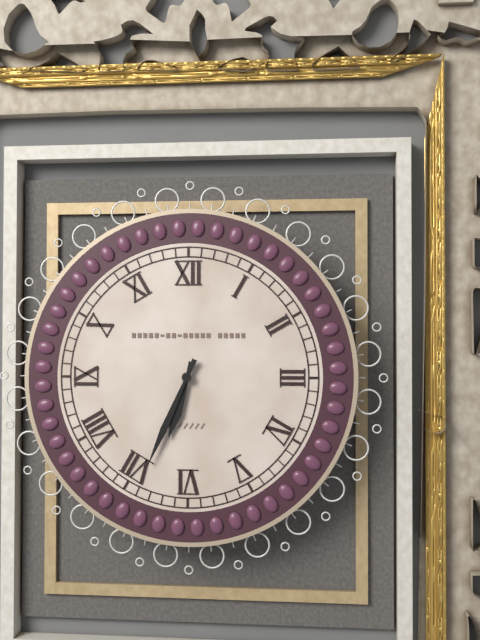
6:34
